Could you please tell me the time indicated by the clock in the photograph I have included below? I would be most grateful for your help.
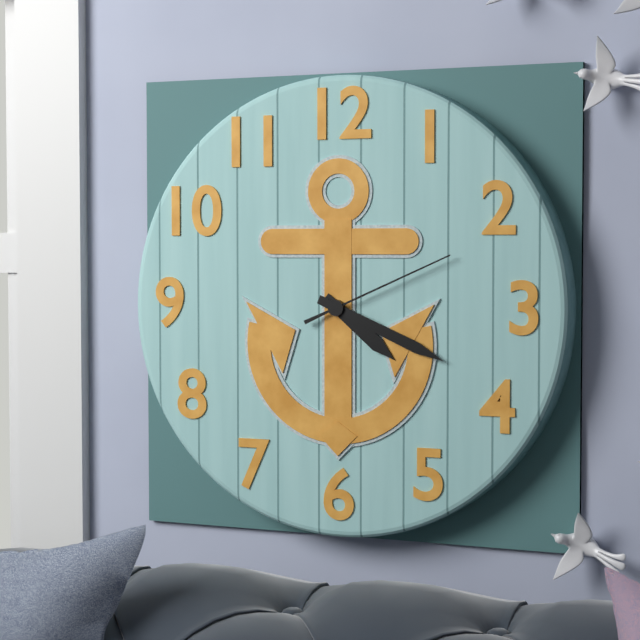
4:19:11
